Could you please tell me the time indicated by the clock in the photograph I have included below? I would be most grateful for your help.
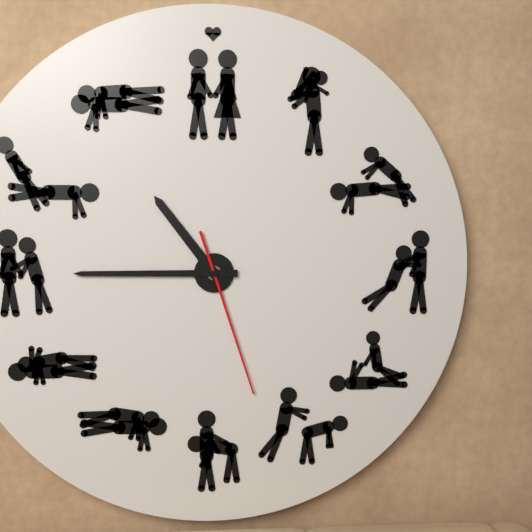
10:45:27
